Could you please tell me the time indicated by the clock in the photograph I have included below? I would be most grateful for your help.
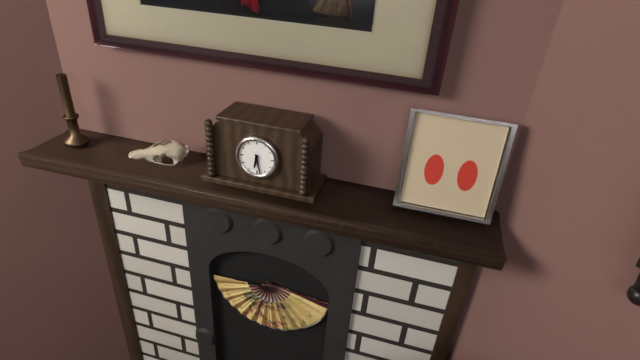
6:28
